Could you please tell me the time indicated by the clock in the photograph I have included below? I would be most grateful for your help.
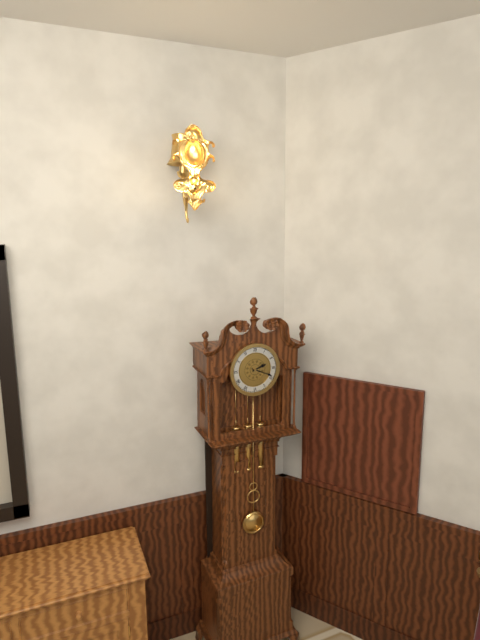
2:19
